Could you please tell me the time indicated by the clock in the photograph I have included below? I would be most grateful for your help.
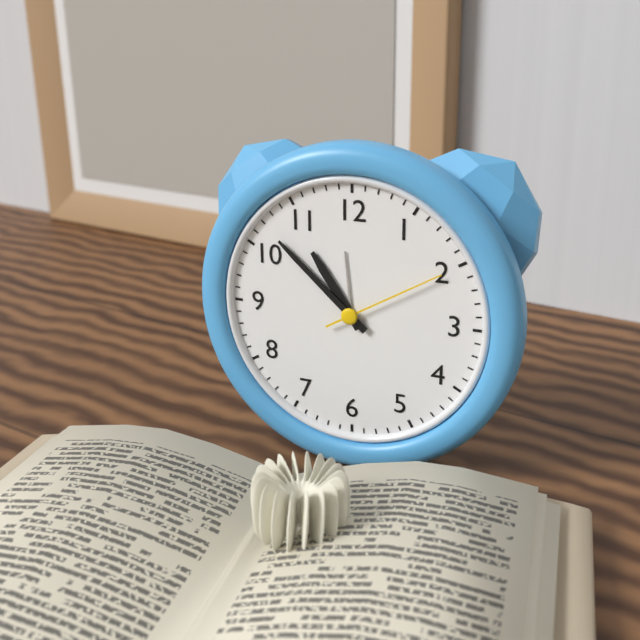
10:52:10
